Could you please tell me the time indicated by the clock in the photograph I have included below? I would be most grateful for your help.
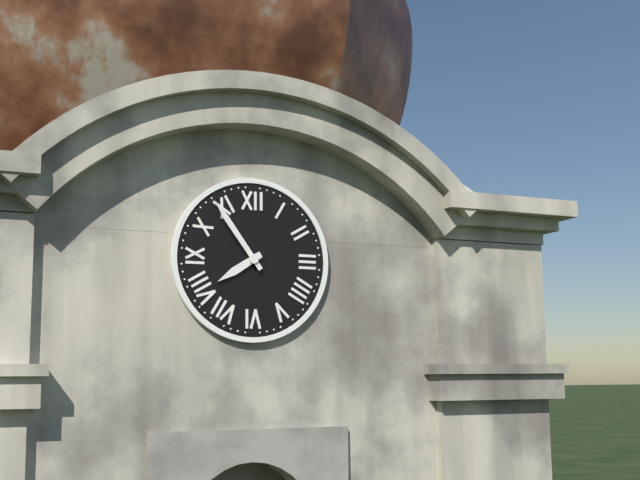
7:54
